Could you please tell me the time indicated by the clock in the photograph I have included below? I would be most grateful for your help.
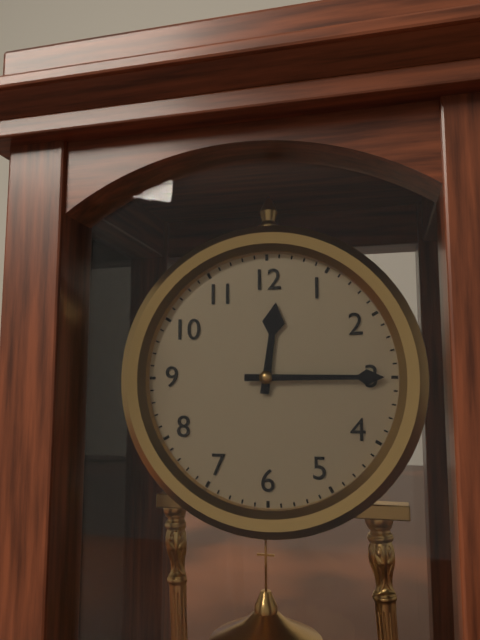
12:15
